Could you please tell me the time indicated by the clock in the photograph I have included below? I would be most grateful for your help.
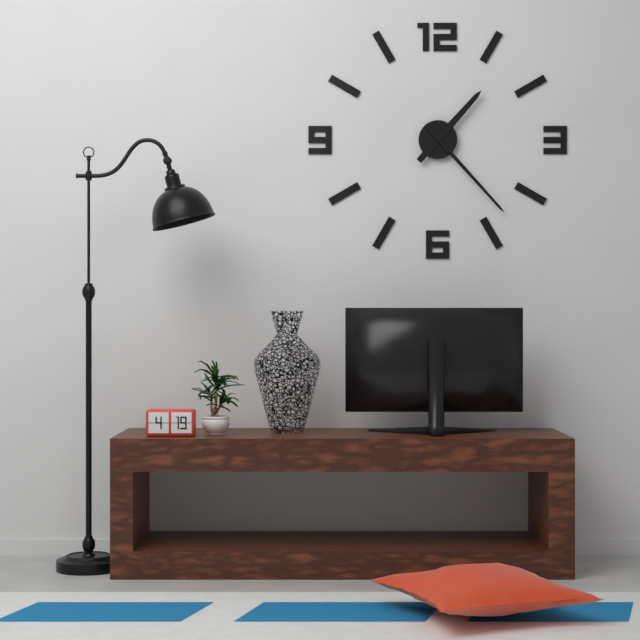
1:23
